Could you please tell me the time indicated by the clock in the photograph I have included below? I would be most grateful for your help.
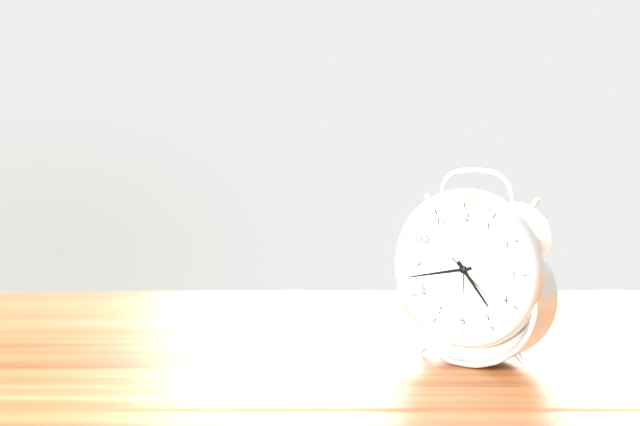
4:43:22
